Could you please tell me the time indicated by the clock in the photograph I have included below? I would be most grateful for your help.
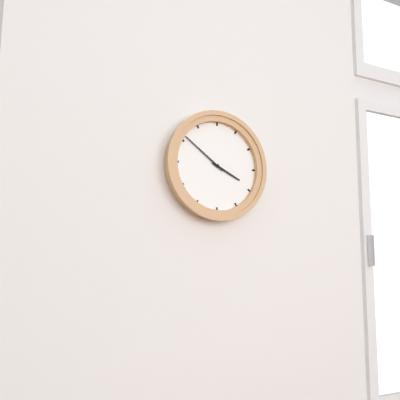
3:51
